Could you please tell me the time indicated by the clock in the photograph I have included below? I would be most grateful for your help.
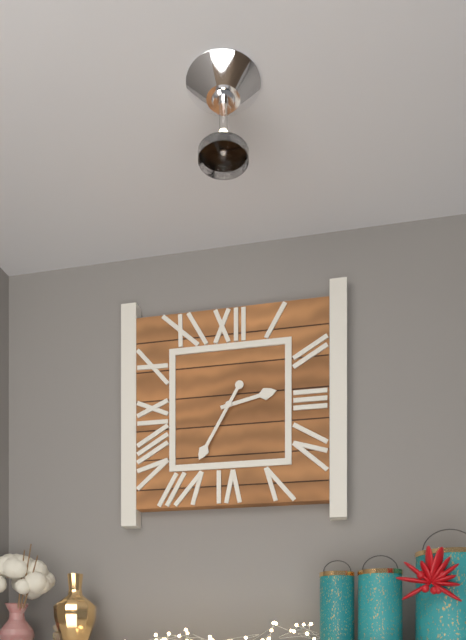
2:35
